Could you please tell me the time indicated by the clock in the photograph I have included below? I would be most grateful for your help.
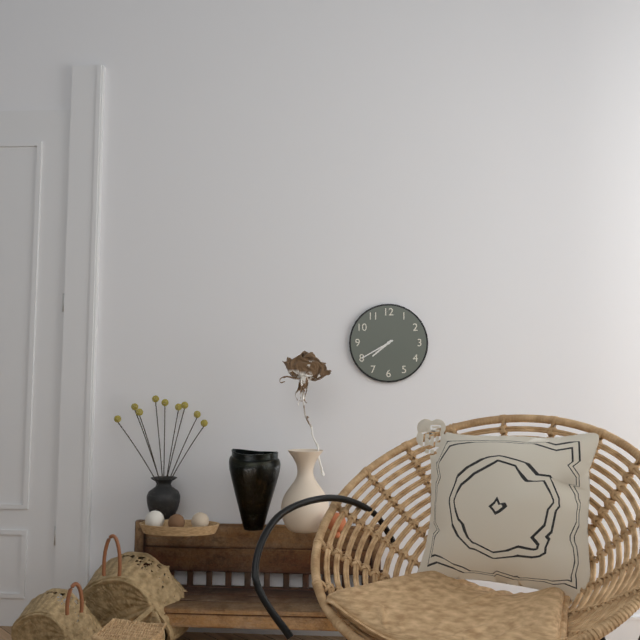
7:40
